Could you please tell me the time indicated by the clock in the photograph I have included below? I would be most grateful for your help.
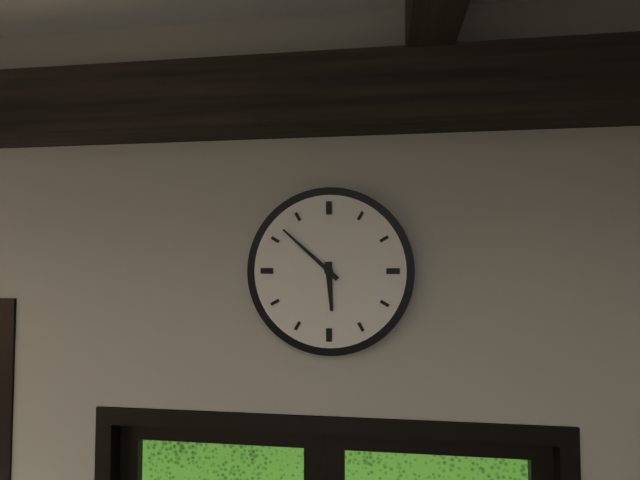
5:52
